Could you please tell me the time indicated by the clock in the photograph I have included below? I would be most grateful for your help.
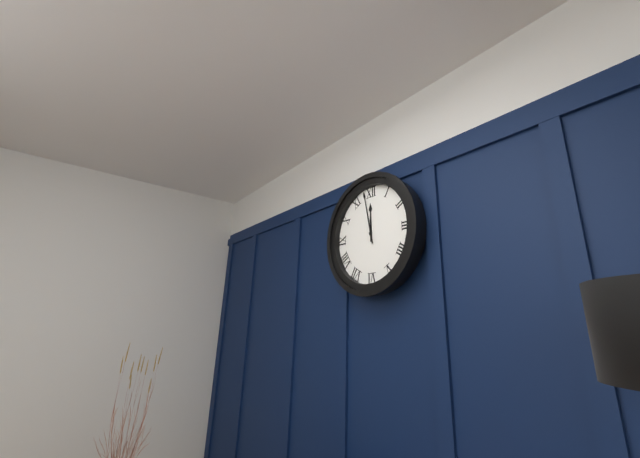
11:58
